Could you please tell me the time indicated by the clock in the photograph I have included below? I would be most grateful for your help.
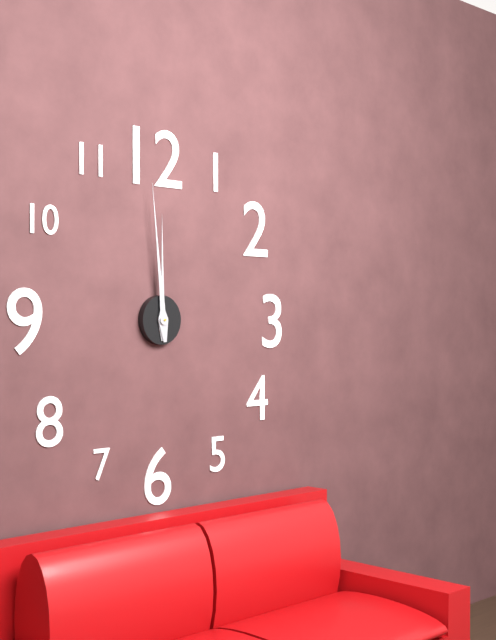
11:59
